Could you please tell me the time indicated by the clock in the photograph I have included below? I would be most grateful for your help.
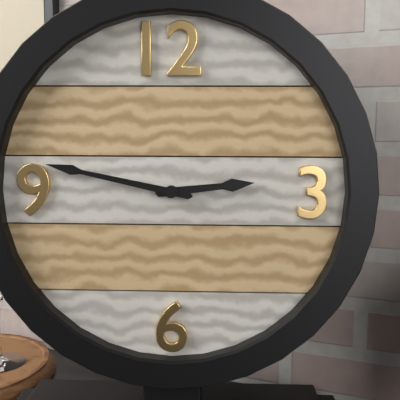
2:47
